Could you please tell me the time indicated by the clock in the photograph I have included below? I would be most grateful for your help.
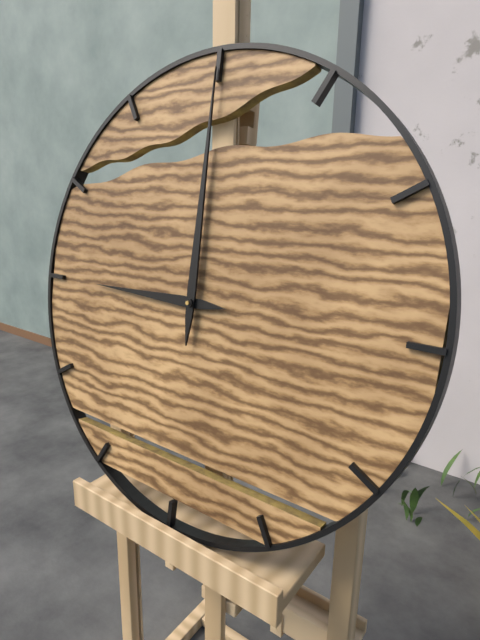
9:00
